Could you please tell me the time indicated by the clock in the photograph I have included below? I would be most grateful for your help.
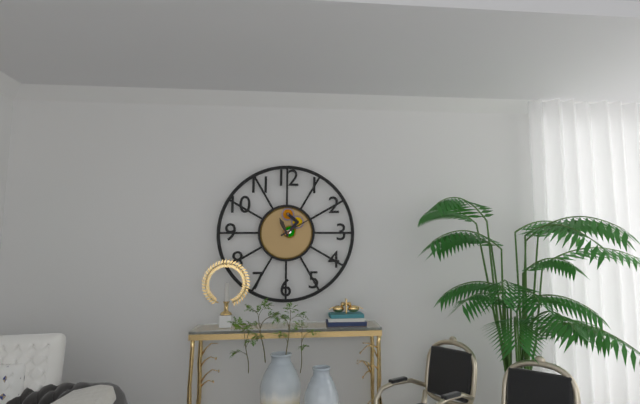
11:10
